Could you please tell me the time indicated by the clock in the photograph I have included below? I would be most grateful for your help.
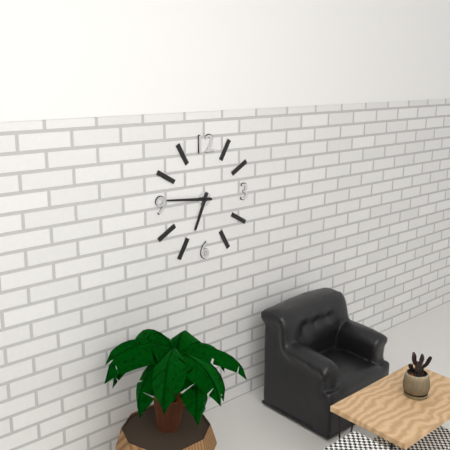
6:46
